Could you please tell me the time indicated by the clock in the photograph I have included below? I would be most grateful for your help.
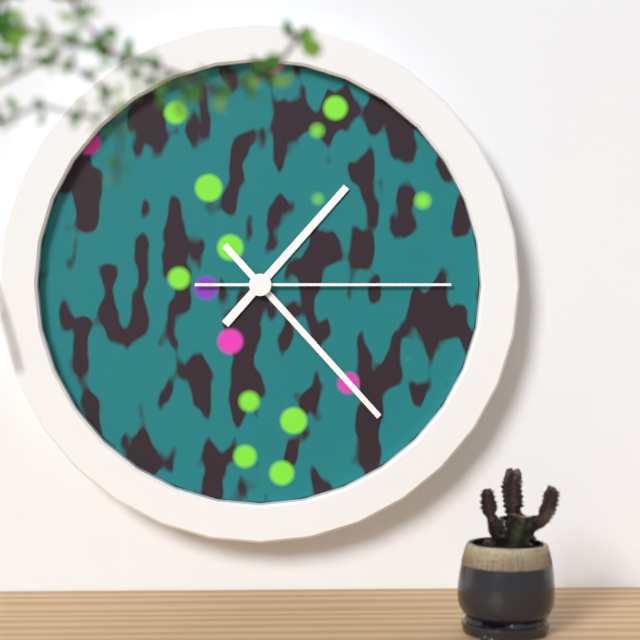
1:23:15
